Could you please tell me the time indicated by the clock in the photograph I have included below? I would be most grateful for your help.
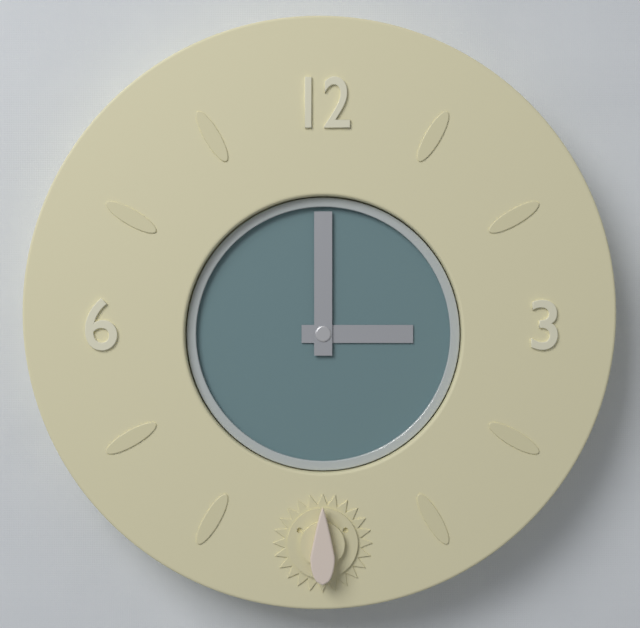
3:00
